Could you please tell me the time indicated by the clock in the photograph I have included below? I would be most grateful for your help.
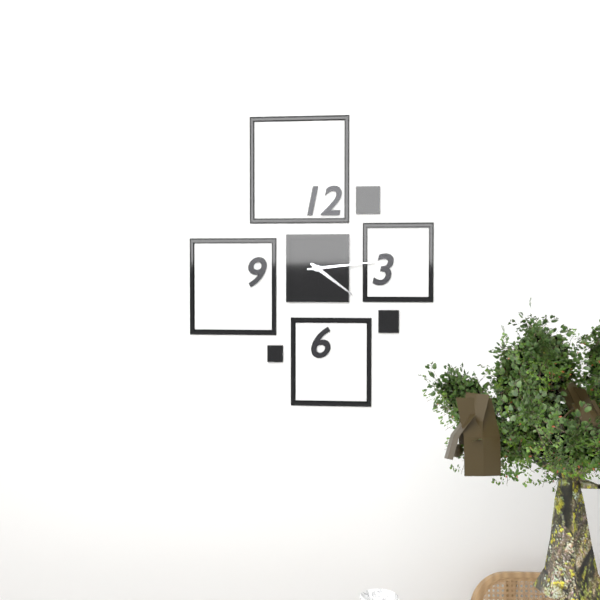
4:14
